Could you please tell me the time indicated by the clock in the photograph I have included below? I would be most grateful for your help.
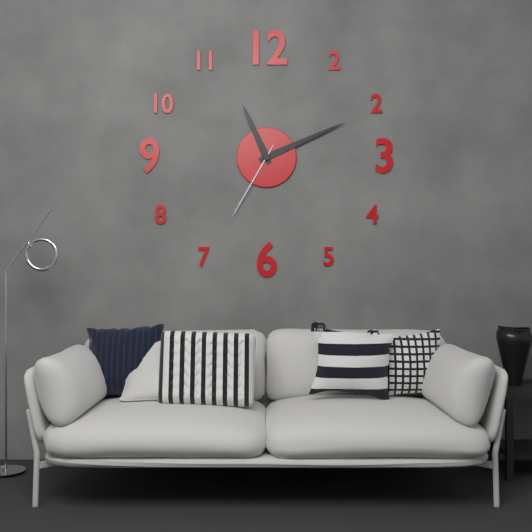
11:11:35
